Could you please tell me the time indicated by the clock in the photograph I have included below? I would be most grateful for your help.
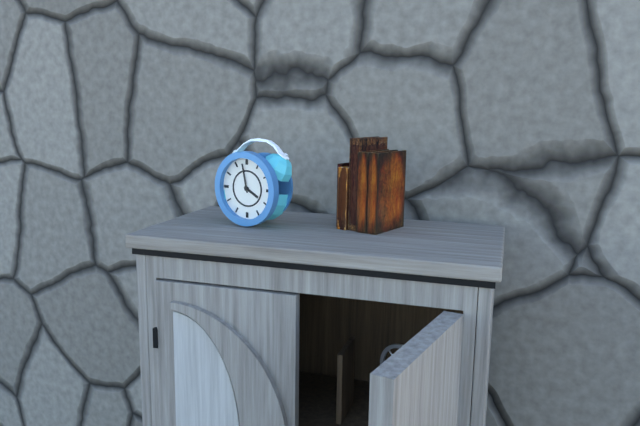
3:58
